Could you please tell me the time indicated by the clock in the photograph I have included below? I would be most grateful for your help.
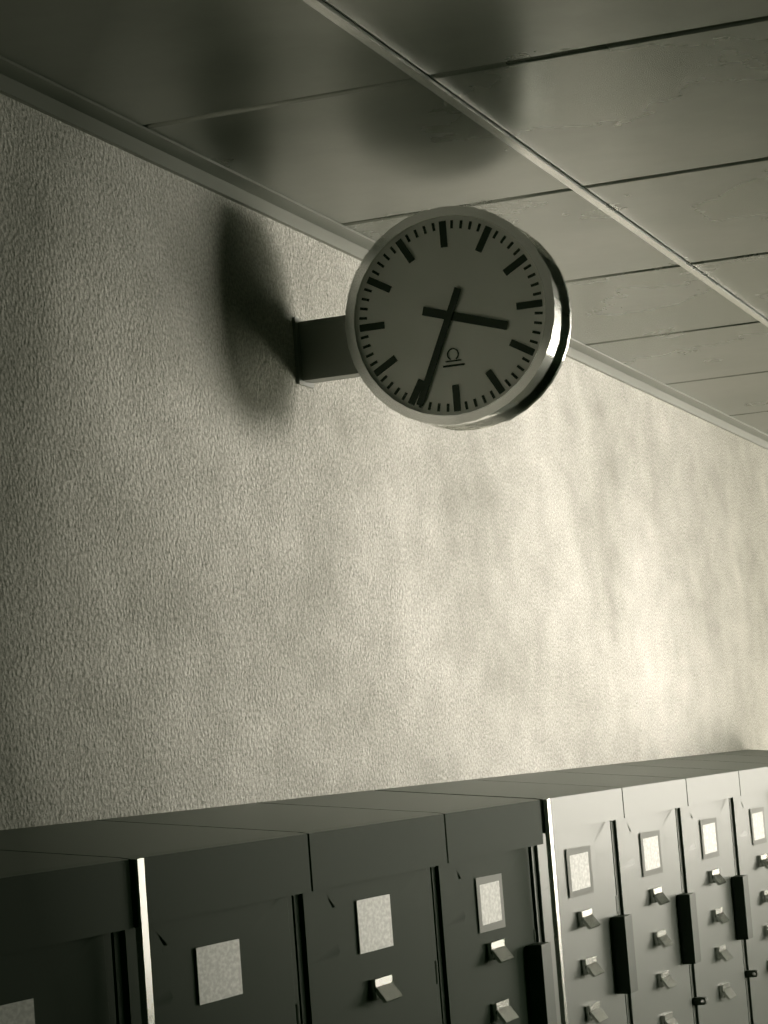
3:34
